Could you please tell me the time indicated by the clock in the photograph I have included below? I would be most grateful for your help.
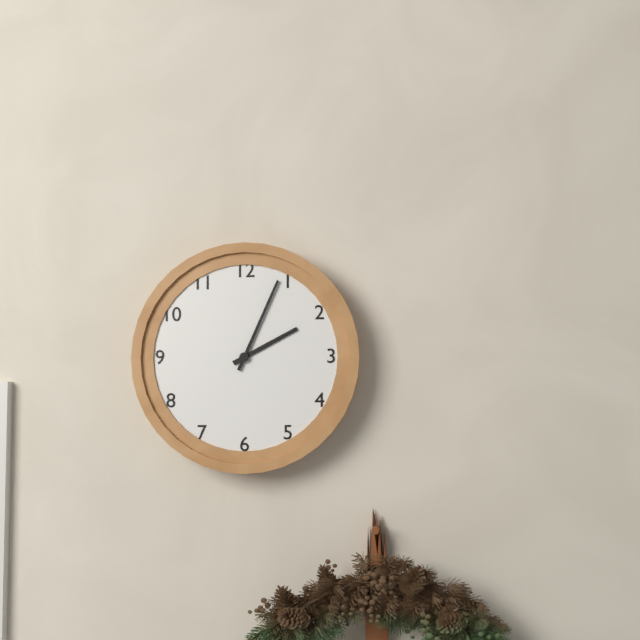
2:04
